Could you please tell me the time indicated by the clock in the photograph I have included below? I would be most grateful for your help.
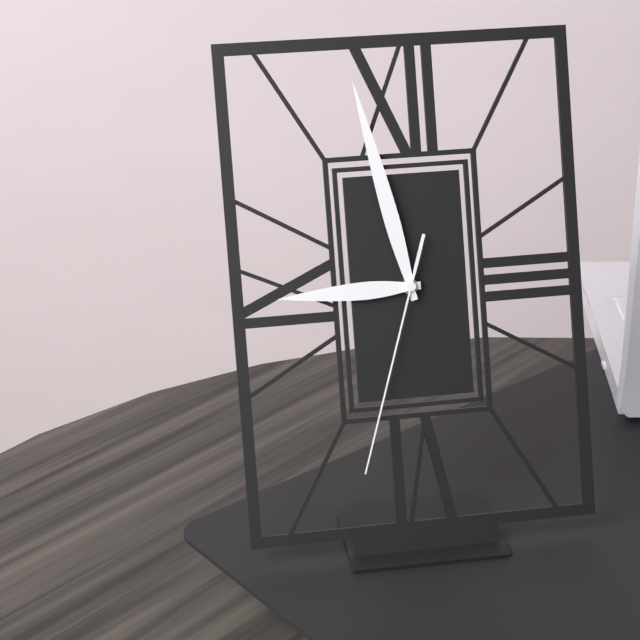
8:58:33
